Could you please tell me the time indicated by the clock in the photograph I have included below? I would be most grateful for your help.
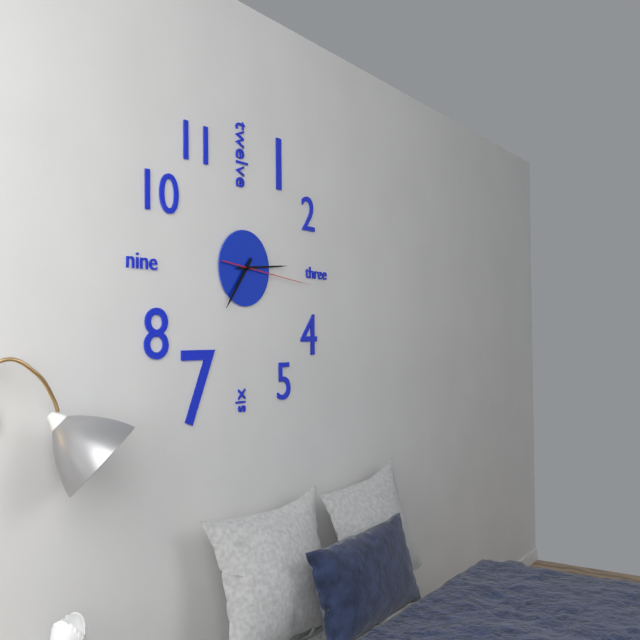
7:14:16
